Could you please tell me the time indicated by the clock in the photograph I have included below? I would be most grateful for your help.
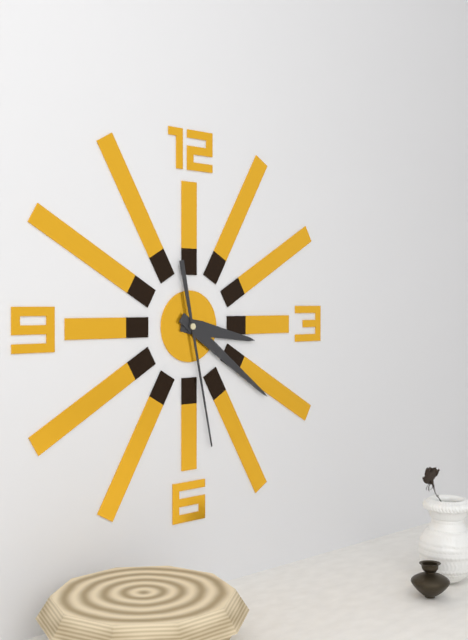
3:21:28
